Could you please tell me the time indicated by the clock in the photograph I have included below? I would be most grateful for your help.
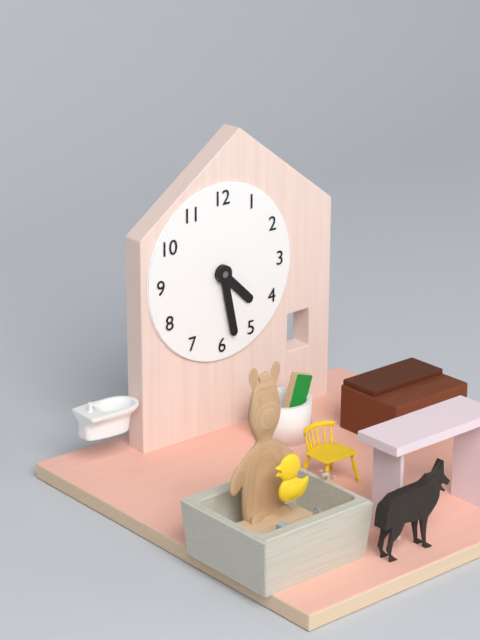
4:28
